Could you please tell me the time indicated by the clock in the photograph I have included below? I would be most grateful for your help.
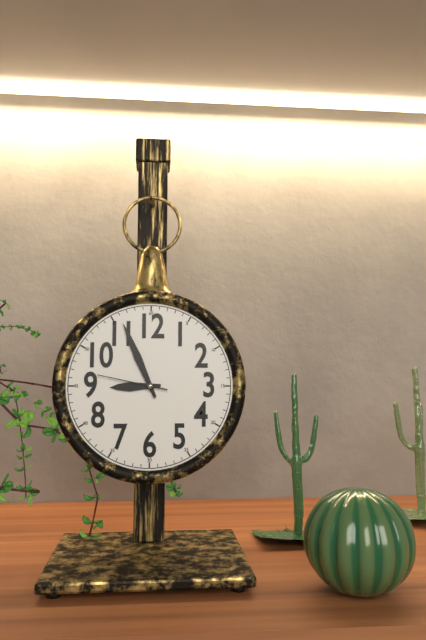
8:56:47
